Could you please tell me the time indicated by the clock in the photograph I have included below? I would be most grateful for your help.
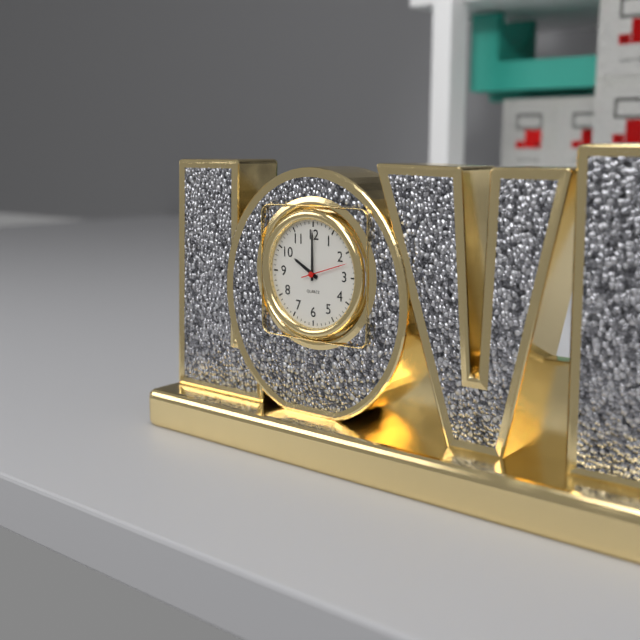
10:00
